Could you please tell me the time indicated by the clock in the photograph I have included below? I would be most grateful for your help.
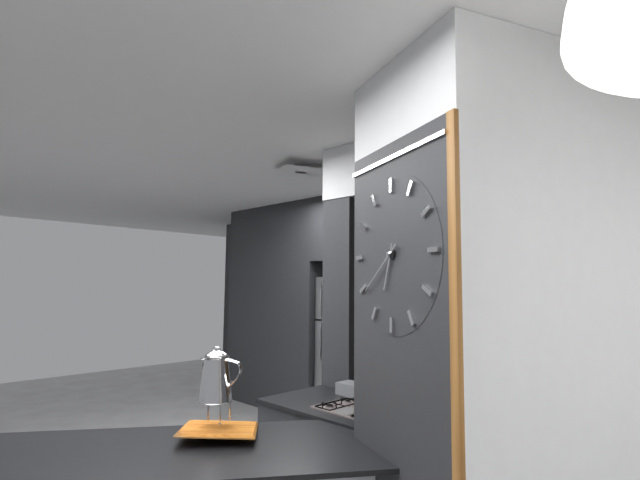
6:39
